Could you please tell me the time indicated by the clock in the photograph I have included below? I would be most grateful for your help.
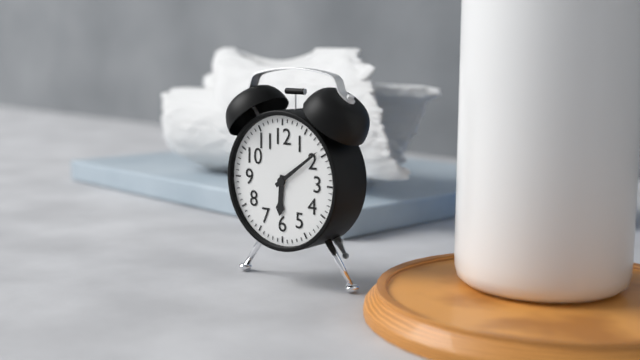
6:09
